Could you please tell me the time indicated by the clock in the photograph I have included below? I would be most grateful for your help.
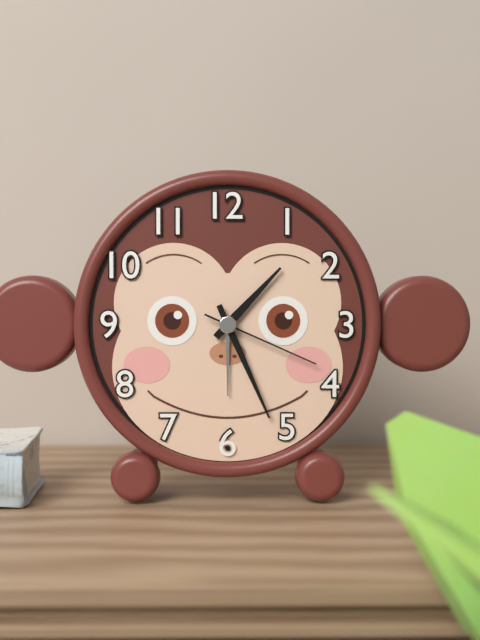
1:26:19
